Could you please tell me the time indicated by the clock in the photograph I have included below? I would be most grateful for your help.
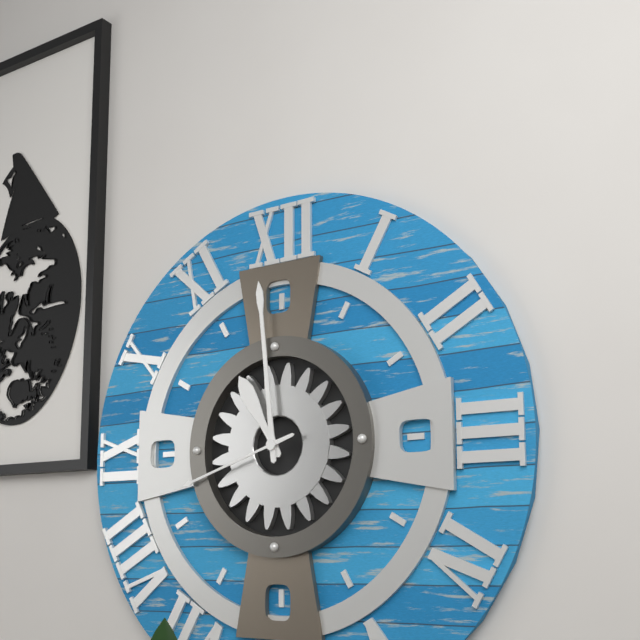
10:59:42
